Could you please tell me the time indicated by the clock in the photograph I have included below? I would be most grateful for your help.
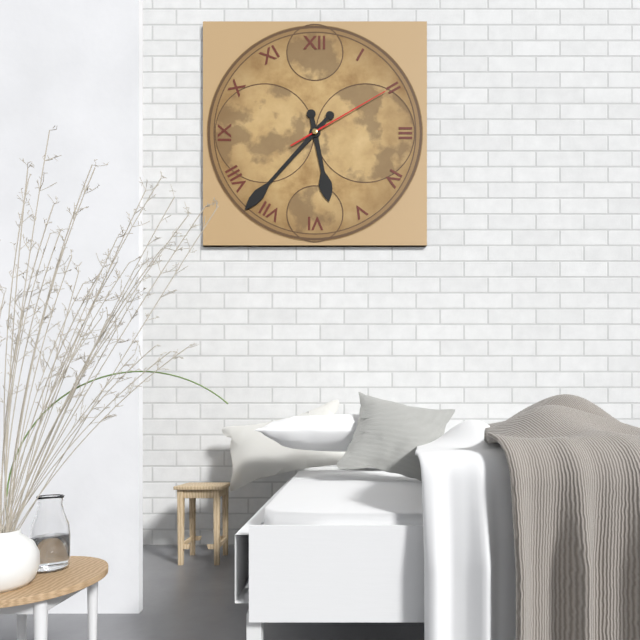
5:37:10
